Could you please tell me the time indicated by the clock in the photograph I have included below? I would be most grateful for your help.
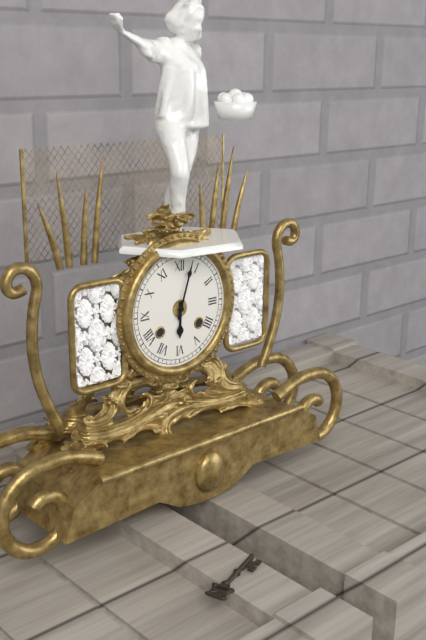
6:03
